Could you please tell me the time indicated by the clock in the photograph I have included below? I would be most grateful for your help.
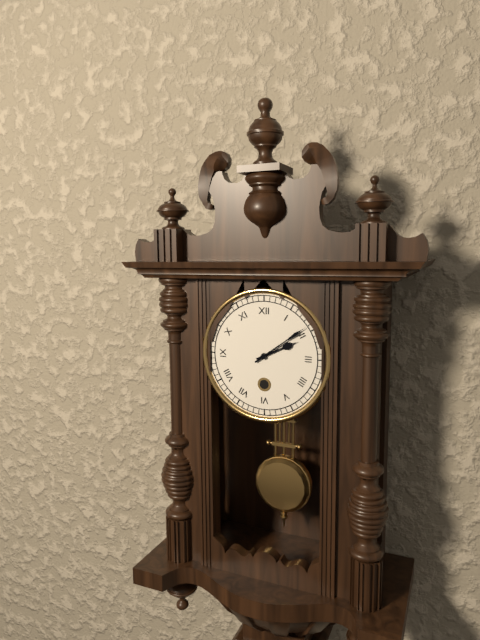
2:09
